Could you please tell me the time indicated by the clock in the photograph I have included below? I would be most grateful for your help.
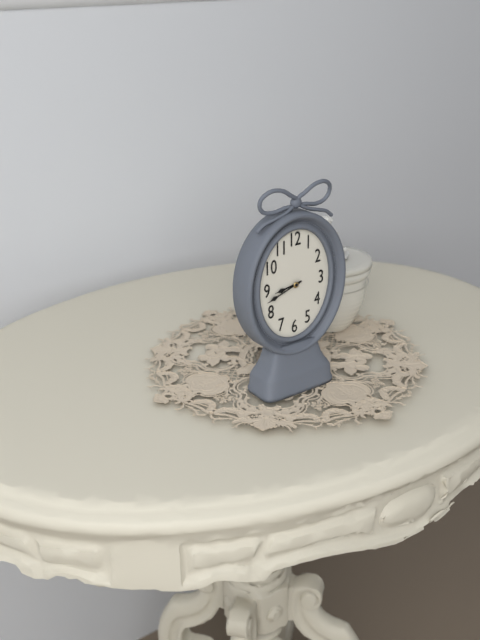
8:42
